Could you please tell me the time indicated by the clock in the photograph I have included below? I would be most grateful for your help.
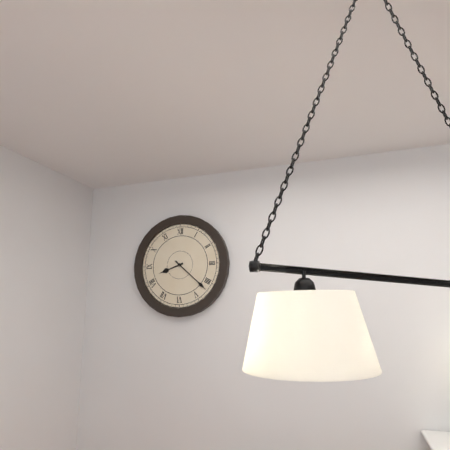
8:22
